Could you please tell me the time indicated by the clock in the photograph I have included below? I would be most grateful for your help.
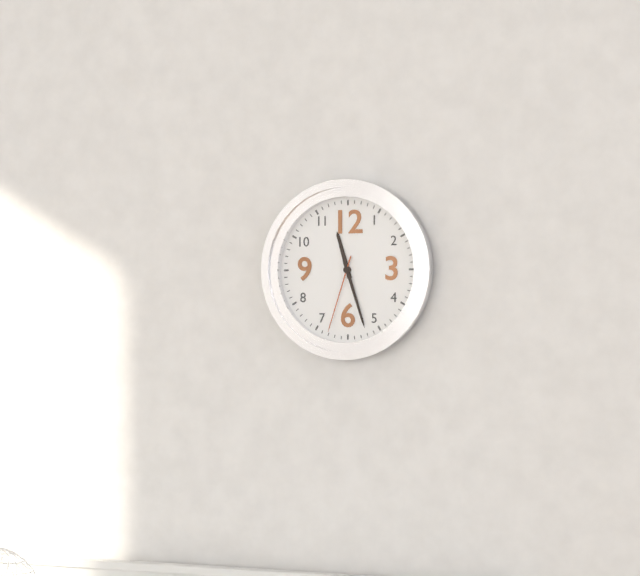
11:27:33
